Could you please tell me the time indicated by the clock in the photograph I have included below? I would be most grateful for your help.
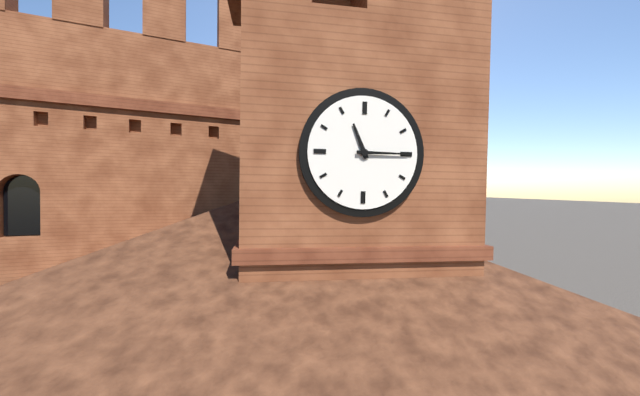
11:15
